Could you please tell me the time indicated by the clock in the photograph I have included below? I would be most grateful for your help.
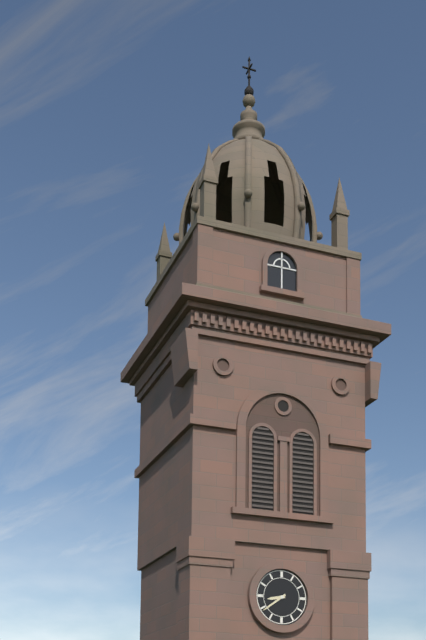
8:39
